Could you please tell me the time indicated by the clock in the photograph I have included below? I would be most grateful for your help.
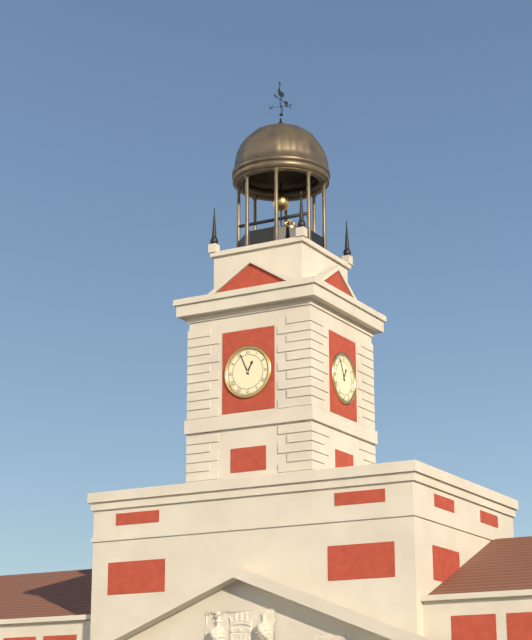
12:56
